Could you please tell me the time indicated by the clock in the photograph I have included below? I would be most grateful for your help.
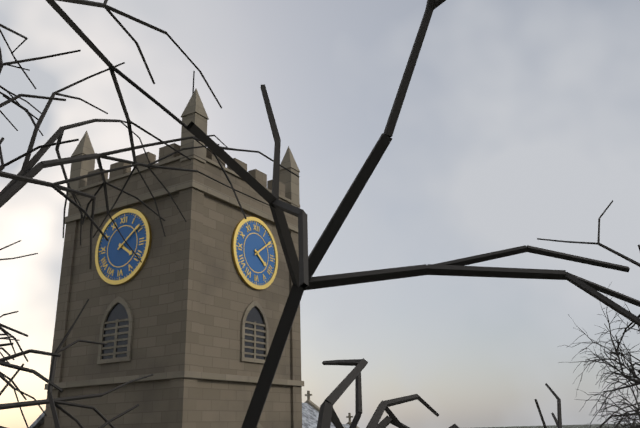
4:09
